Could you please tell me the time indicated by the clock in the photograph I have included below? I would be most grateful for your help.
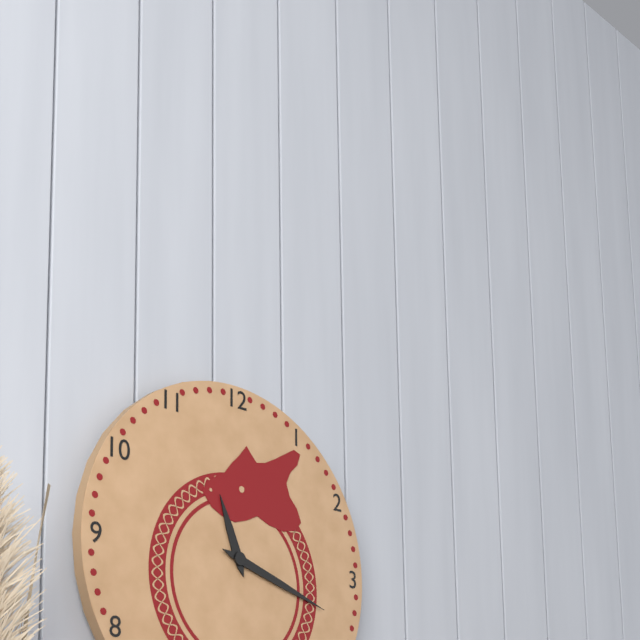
11:18
